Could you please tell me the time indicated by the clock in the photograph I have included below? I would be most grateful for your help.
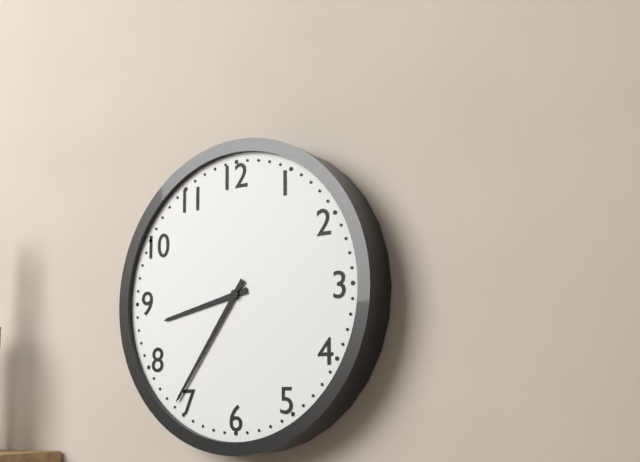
8:36
